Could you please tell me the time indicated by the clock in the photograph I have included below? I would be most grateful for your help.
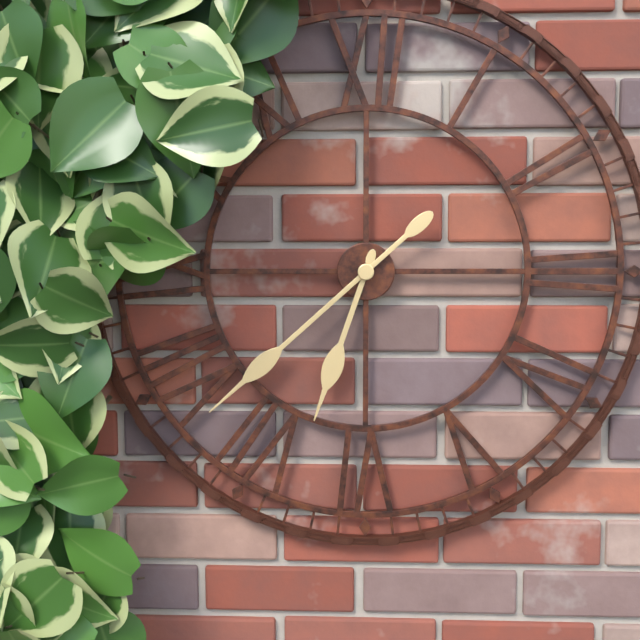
6:38
